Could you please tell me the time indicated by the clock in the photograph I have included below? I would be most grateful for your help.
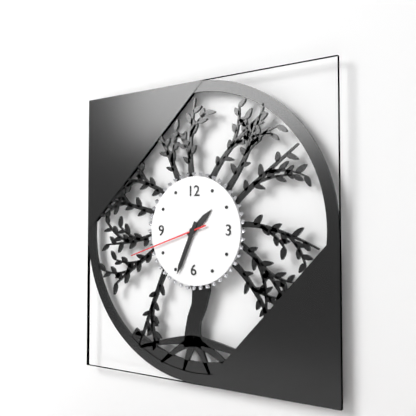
1:34:42
